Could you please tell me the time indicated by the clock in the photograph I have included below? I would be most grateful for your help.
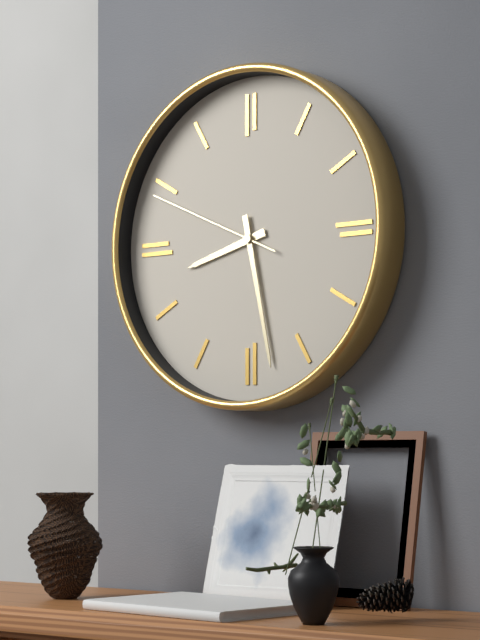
8:28:49
